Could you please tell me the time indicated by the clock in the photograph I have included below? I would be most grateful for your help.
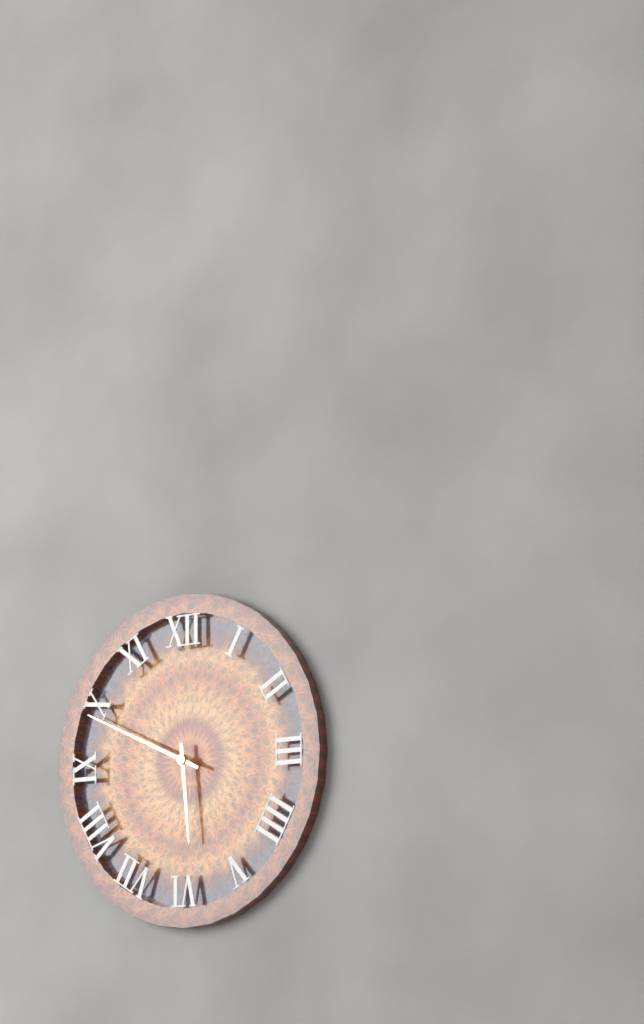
5:49
